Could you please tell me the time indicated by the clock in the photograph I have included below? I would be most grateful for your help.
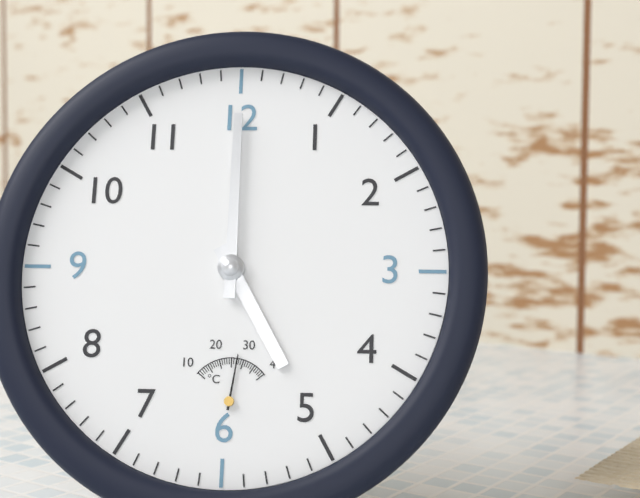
5:00
